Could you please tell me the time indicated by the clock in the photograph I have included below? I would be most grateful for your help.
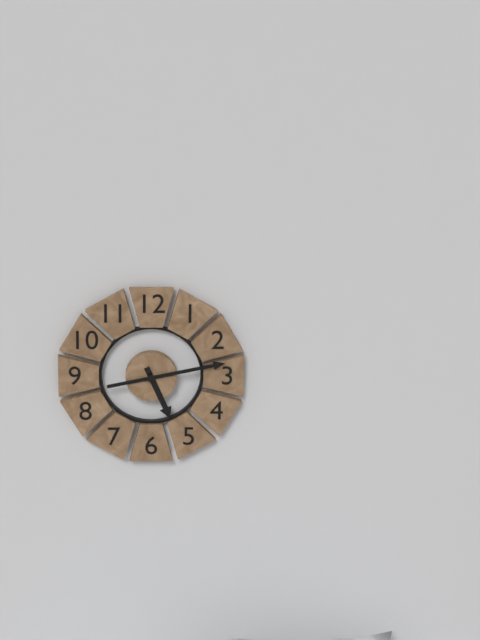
5:13
